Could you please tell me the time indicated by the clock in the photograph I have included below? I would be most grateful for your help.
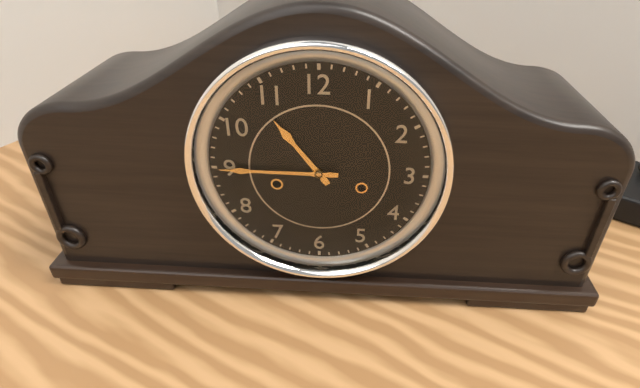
10:45
